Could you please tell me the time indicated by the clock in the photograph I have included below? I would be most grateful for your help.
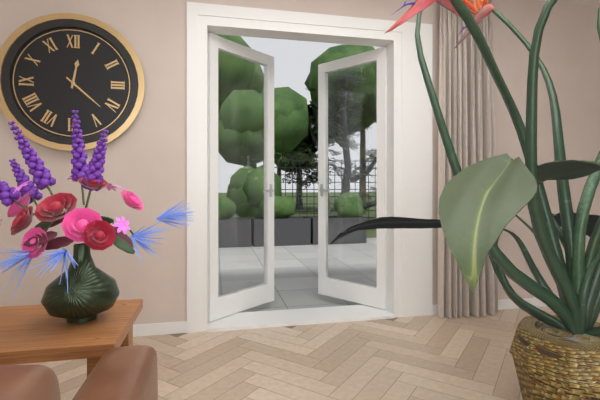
12:22
